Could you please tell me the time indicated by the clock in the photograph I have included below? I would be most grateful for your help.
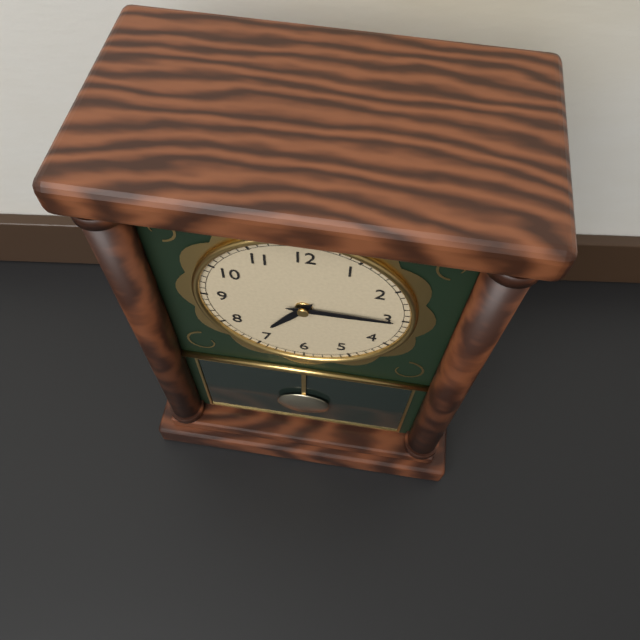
7:15
